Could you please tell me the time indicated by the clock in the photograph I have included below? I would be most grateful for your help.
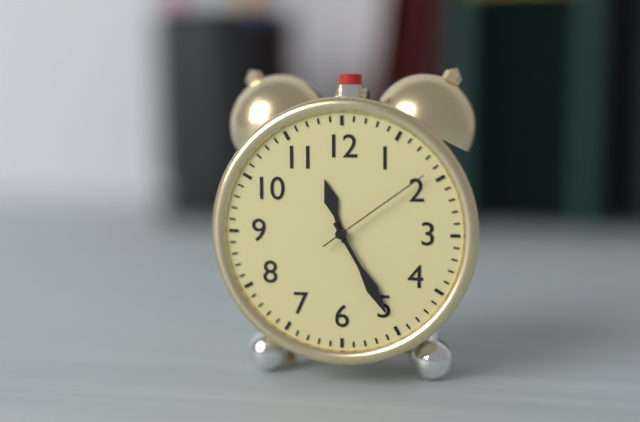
11:25:09
